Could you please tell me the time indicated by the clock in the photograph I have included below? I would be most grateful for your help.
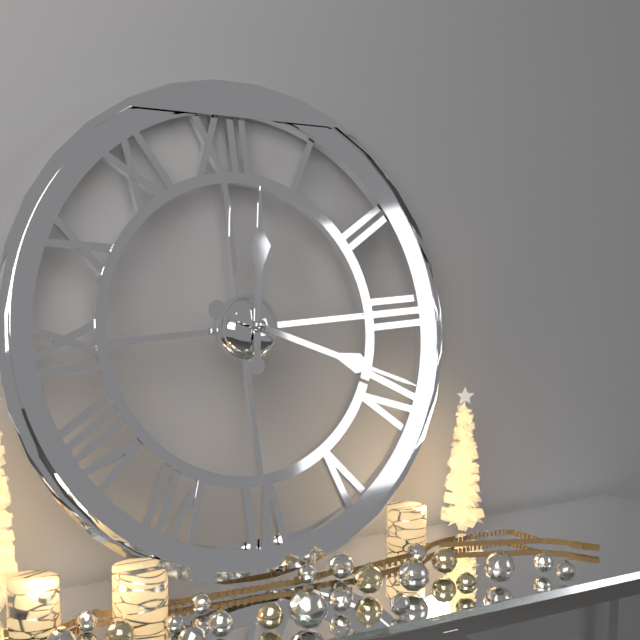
12:19
